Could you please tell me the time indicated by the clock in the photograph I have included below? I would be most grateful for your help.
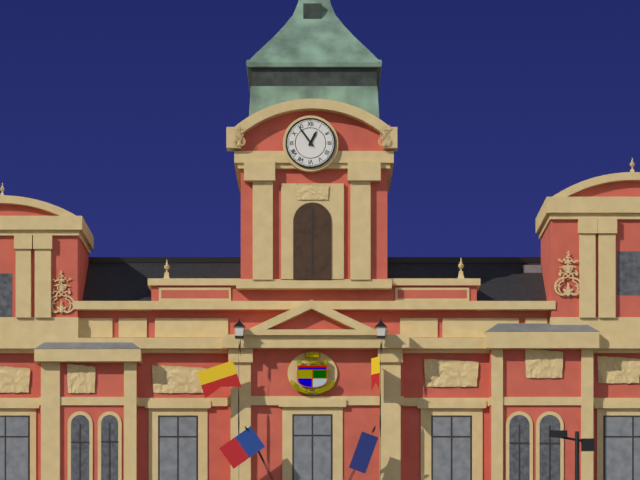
12:54
